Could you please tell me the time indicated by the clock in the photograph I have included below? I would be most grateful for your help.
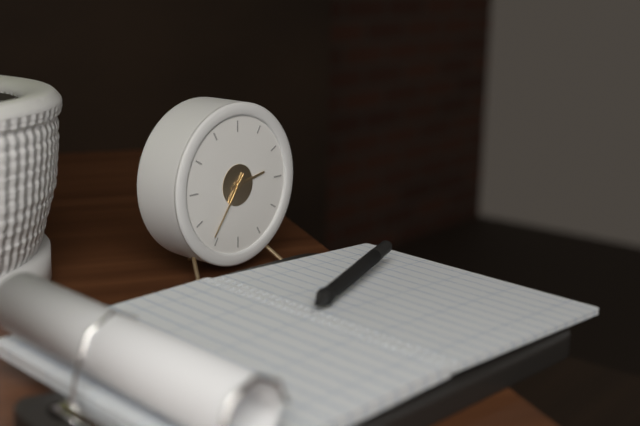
2:36
